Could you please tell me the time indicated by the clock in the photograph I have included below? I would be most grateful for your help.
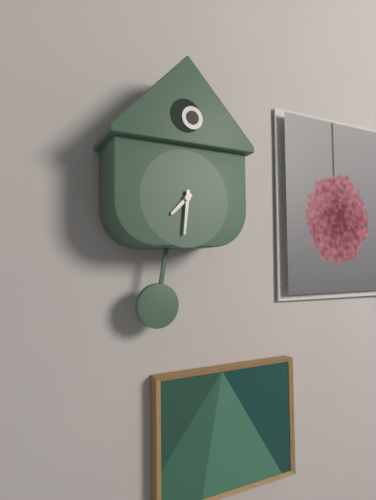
7:31
